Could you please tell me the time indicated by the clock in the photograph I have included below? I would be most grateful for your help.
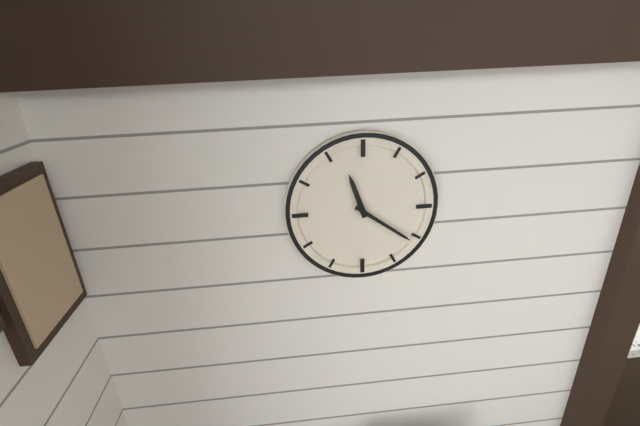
11:21
